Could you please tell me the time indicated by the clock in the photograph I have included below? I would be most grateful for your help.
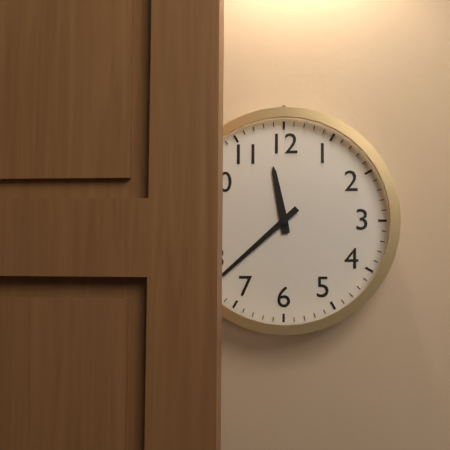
11:38
